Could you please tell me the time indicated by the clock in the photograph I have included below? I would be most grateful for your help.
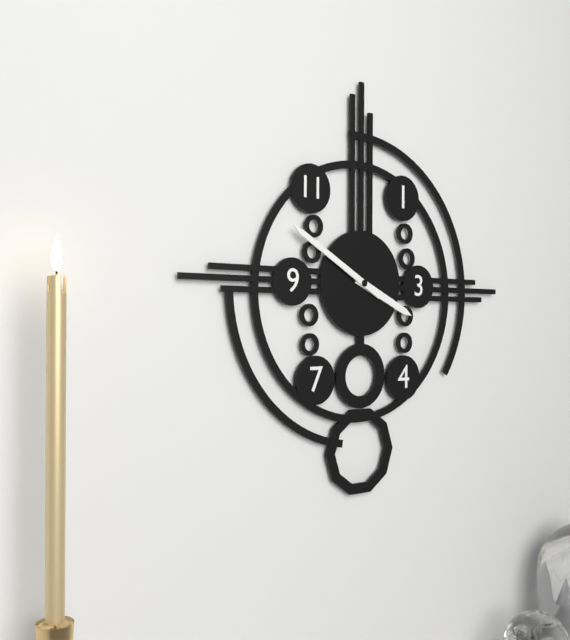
3:50
